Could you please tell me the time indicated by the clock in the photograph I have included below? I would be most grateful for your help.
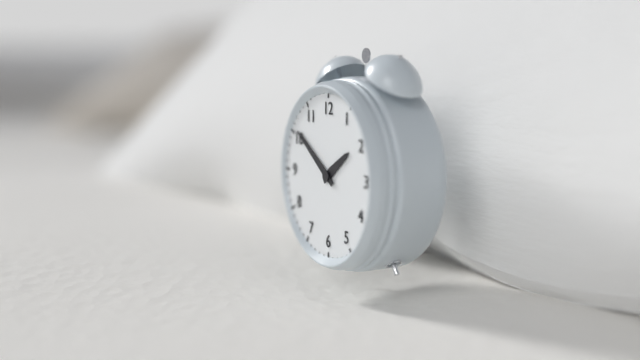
1:51
